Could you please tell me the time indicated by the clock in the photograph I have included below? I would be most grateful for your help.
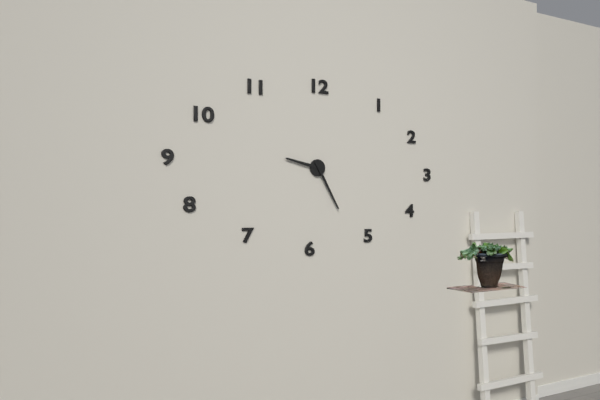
9:25
